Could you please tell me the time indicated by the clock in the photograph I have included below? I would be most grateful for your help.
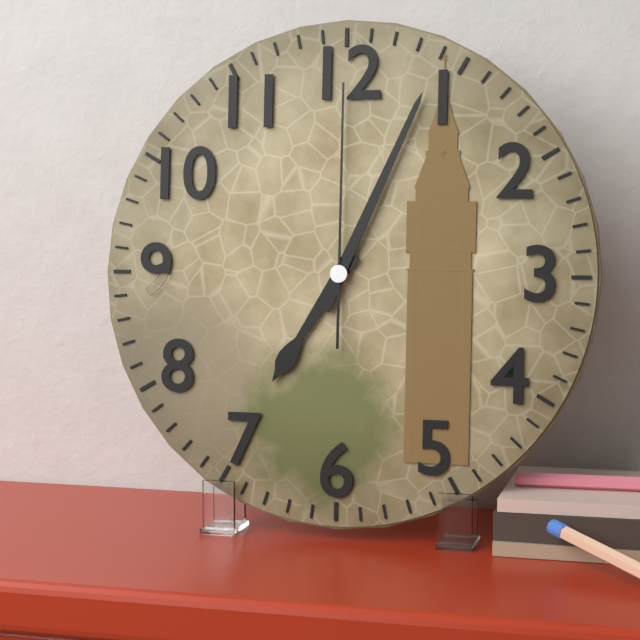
7:04:00
